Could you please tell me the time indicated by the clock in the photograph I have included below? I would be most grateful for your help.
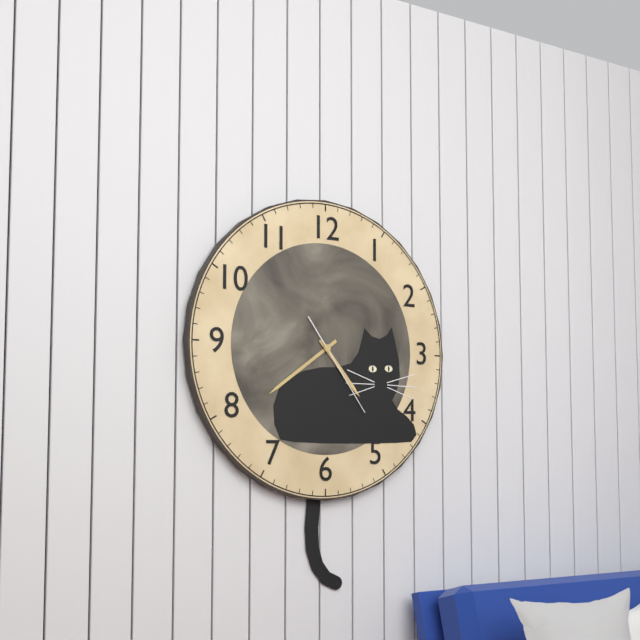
4:39:24
